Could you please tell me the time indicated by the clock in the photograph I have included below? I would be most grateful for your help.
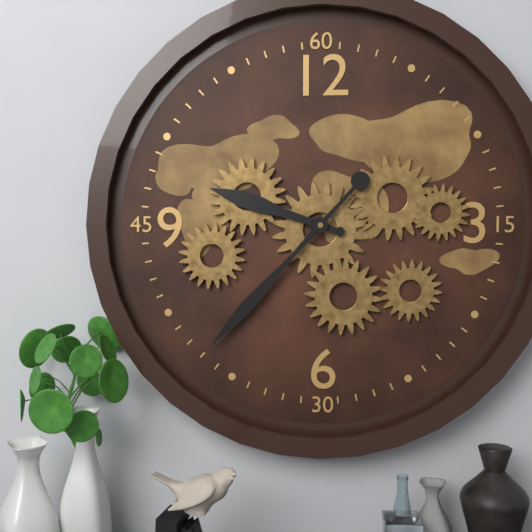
9:37
